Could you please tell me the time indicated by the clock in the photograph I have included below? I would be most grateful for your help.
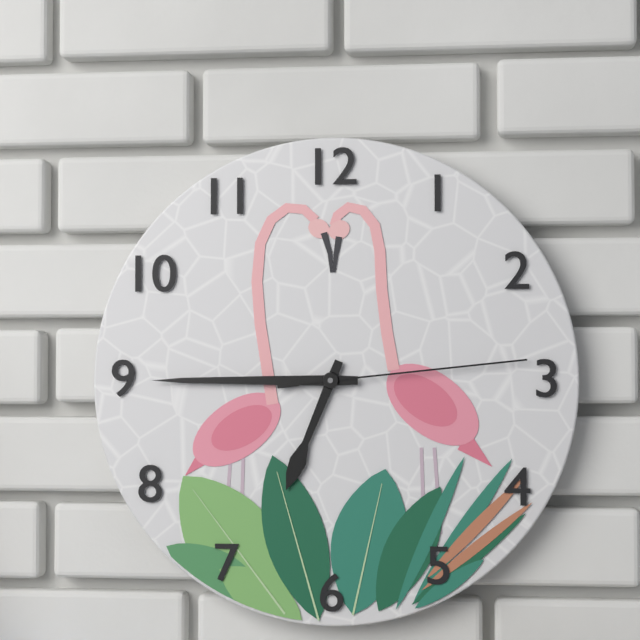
6:45:14
